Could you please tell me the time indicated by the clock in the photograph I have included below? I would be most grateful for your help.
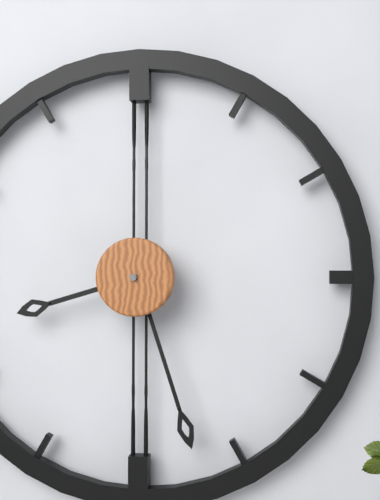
8:27
